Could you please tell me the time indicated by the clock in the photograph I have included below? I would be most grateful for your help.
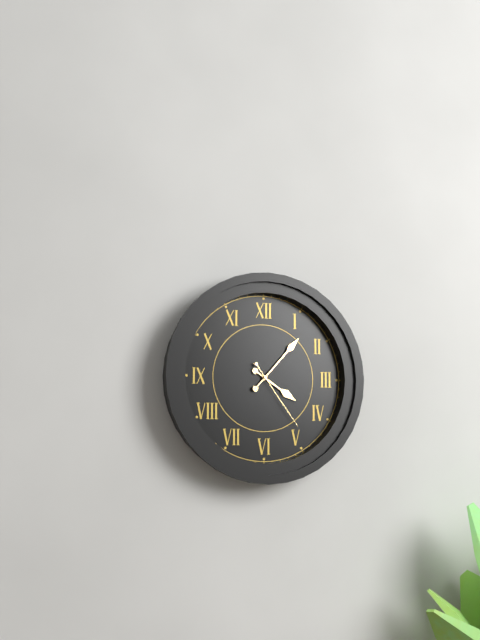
4:07:24
